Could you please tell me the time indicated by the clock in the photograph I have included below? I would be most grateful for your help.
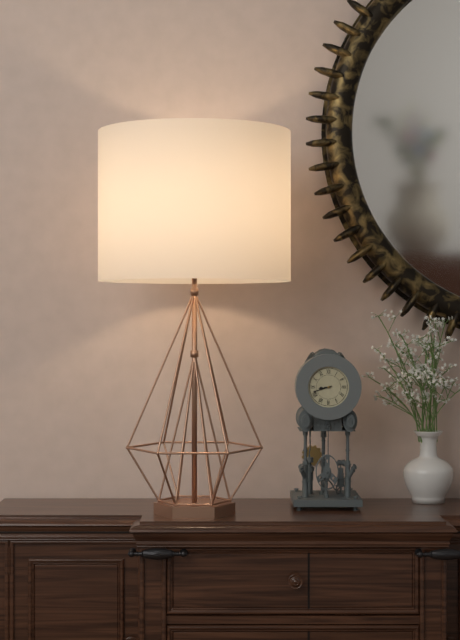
8:42
